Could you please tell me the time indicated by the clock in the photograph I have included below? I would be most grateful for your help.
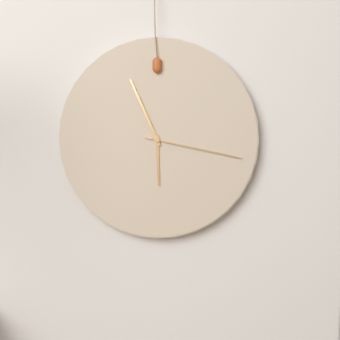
5:56:17
